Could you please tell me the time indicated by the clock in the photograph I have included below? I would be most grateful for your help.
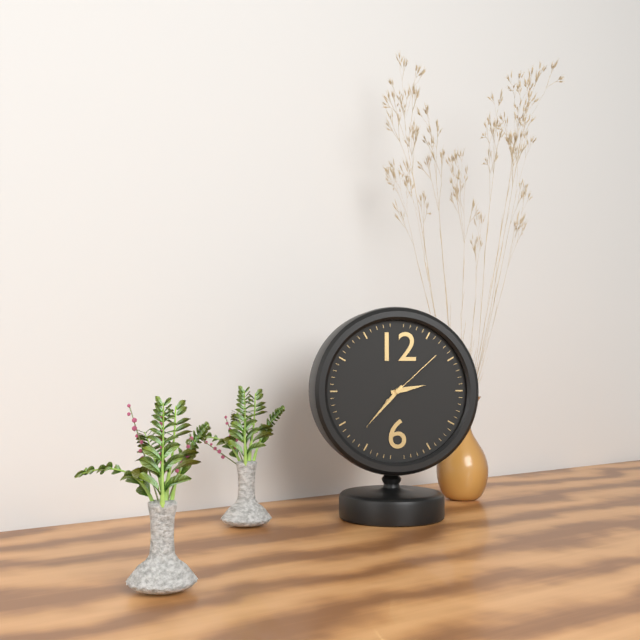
2:37:08
